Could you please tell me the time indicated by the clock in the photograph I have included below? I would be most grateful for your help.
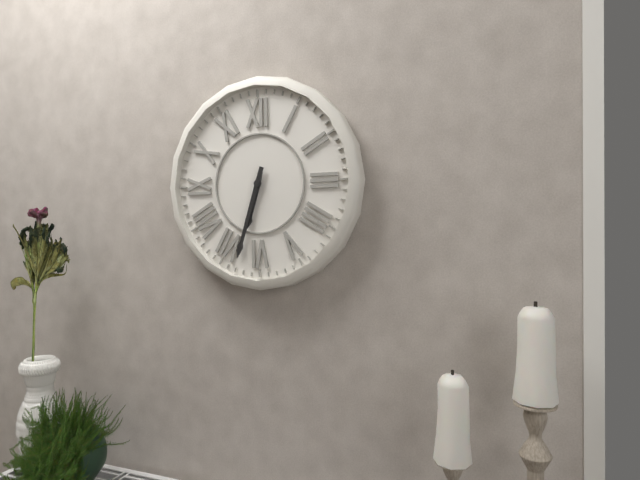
6:33
